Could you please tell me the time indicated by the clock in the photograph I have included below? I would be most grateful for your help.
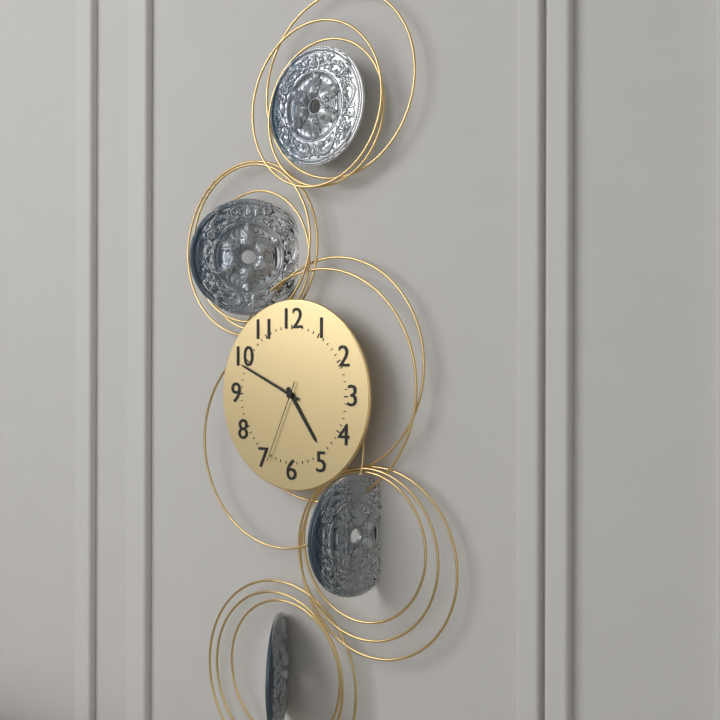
4:49:34
